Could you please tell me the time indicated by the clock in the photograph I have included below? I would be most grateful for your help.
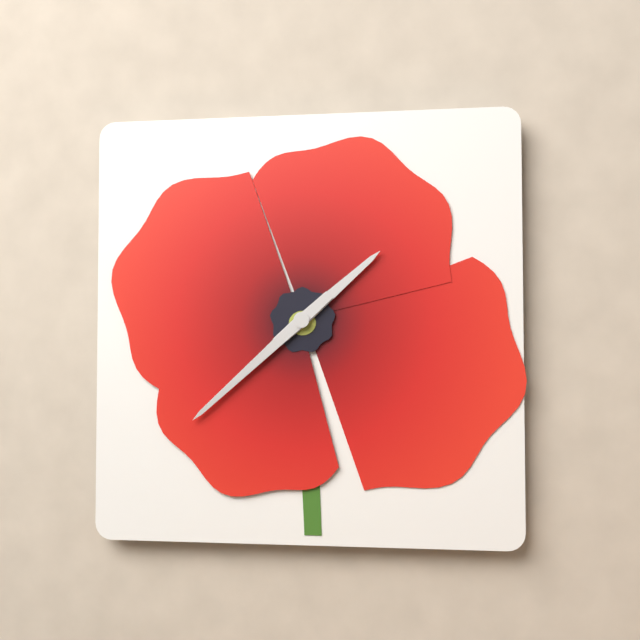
1:38
